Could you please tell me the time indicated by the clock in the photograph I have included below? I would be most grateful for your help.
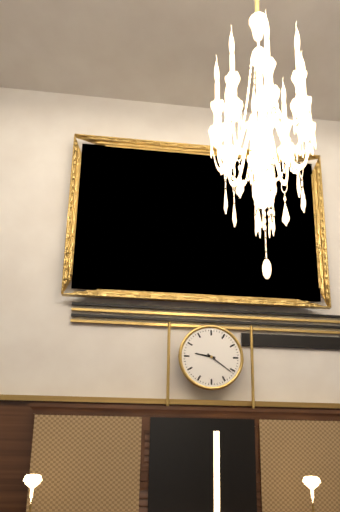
9:21
